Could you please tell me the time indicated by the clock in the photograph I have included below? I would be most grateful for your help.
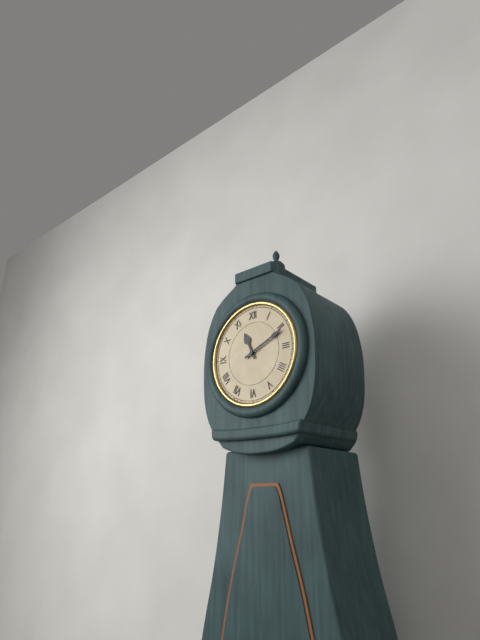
11:11
